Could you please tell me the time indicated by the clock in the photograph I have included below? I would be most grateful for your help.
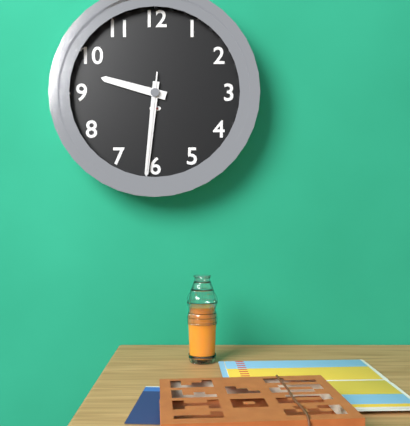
9:31:31
